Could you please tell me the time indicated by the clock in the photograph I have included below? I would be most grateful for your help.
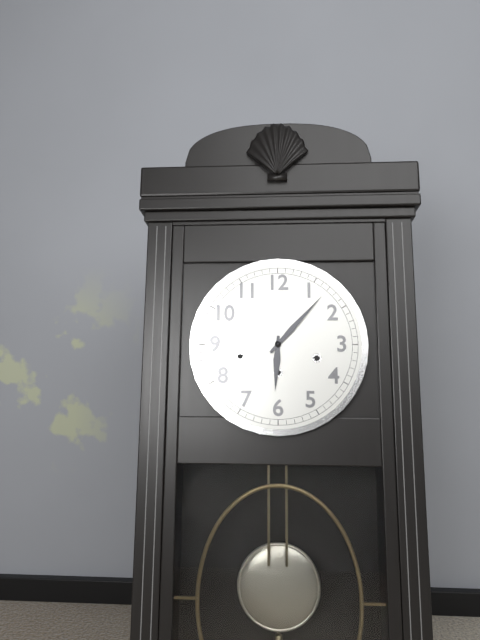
6:07
